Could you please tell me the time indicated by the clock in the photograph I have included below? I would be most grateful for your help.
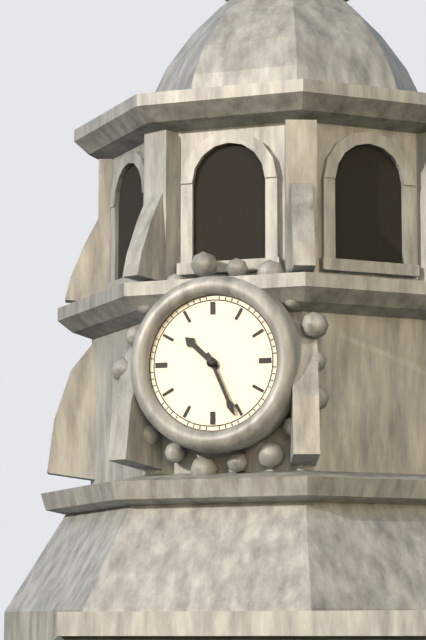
10:26
